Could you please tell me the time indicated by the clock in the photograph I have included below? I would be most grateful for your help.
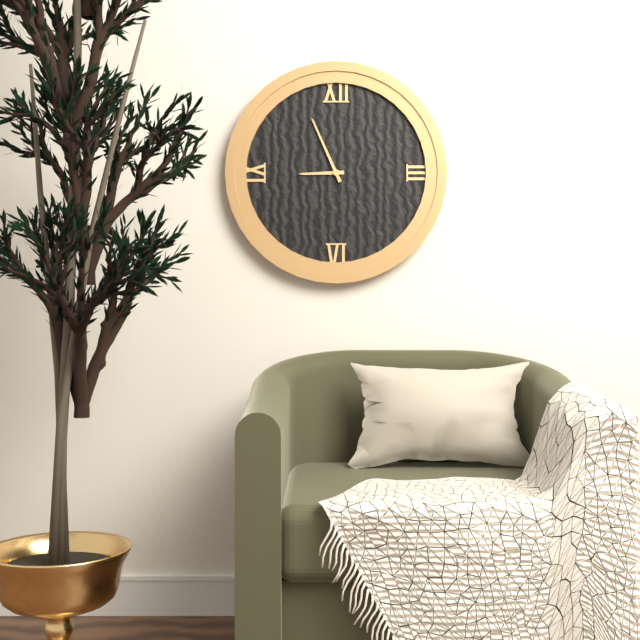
8:56
